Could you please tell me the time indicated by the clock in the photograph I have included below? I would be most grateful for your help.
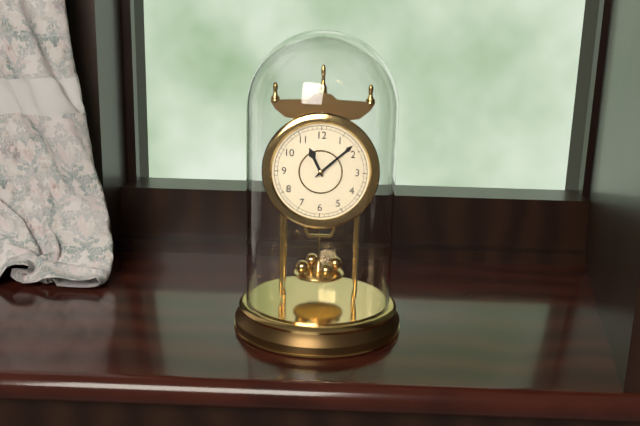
11:08
